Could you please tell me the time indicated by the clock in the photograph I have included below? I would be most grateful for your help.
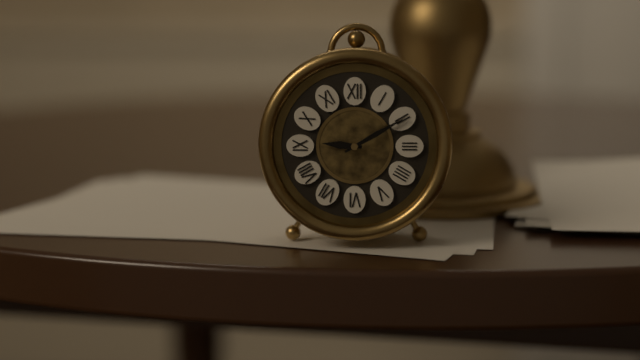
9:10
